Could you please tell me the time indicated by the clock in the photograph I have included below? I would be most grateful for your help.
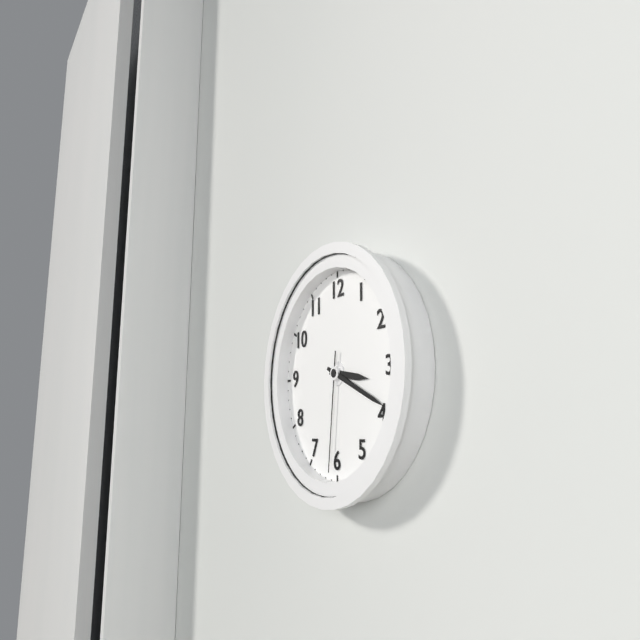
3:19:31
